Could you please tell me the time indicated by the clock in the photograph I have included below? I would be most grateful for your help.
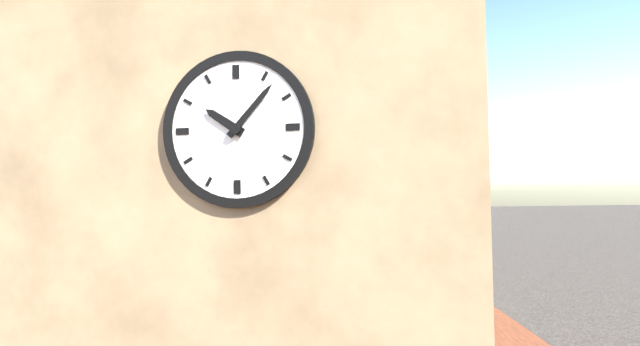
10:07
